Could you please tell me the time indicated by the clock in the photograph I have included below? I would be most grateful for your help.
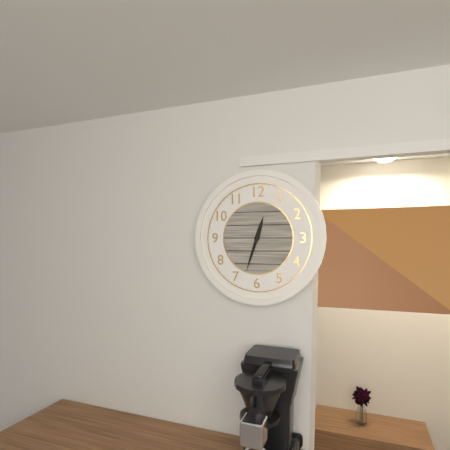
12:33
